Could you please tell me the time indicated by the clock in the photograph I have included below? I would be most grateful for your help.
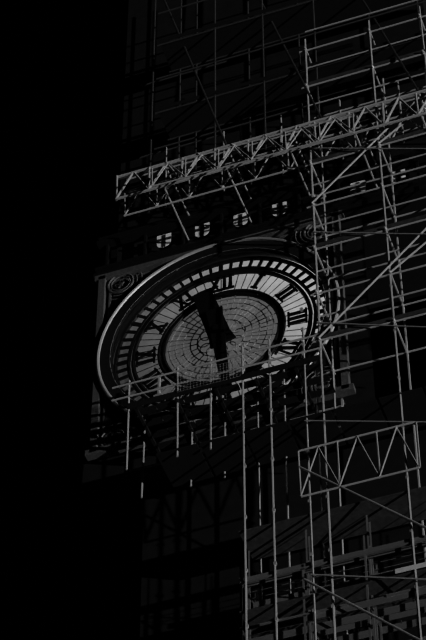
11:29
